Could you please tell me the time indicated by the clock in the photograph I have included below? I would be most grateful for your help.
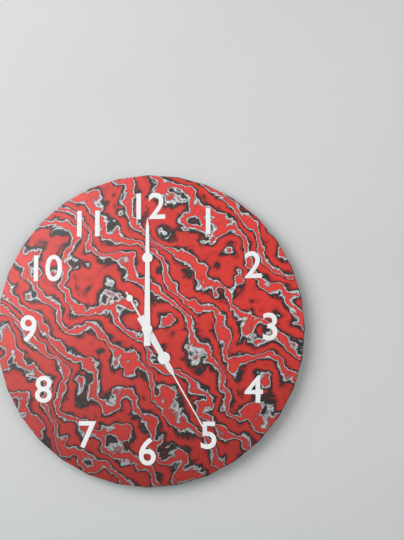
5:00:25
